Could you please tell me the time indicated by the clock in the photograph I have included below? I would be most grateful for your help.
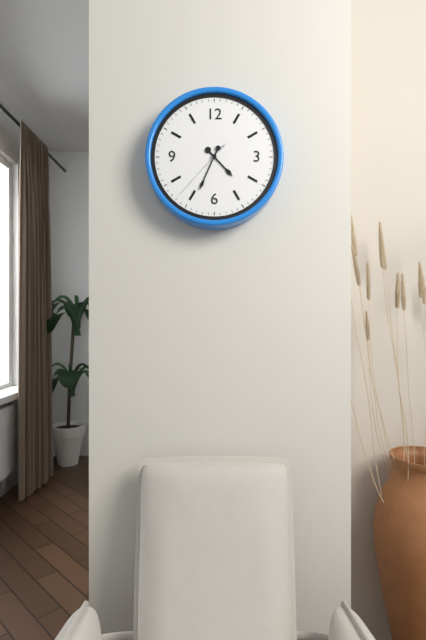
4:34:37
